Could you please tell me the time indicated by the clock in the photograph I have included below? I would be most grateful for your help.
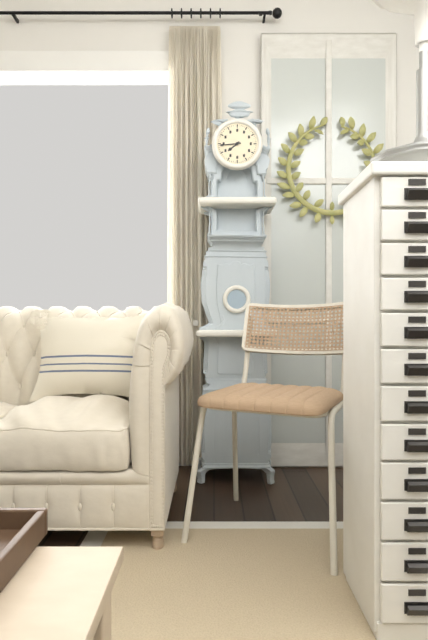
7:44
